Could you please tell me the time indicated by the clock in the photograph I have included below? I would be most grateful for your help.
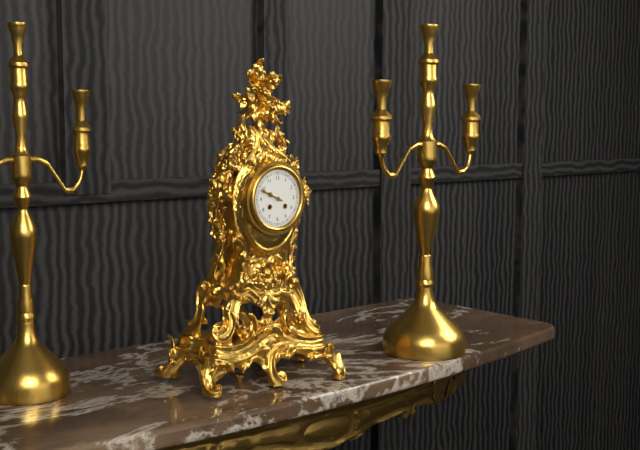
9:49
